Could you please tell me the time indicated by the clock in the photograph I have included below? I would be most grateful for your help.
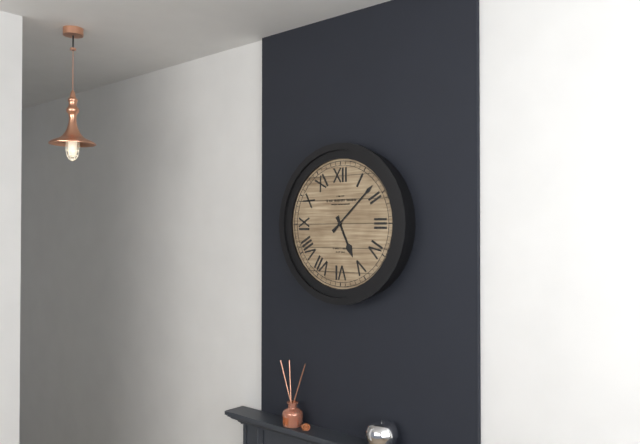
5:08
